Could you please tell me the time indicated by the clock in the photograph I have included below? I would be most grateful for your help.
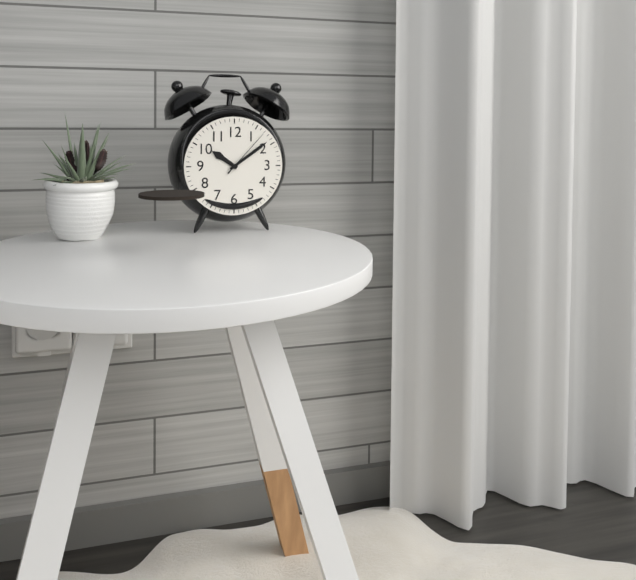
10:09:07
